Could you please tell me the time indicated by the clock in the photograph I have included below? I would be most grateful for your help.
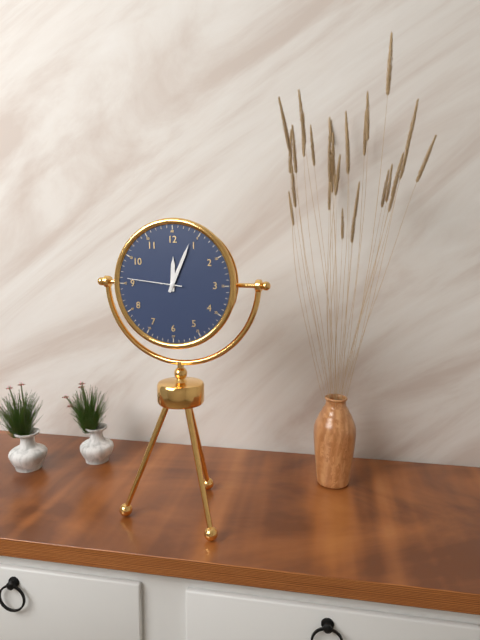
12:04:46
